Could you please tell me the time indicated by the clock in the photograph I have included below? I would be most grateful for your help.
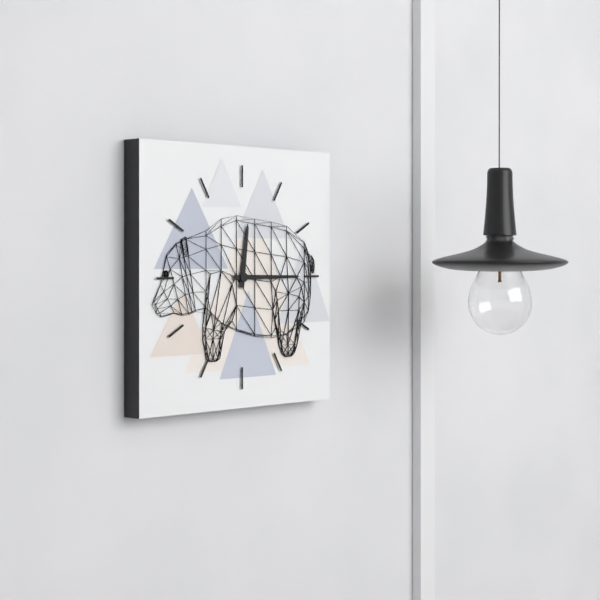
12:15
